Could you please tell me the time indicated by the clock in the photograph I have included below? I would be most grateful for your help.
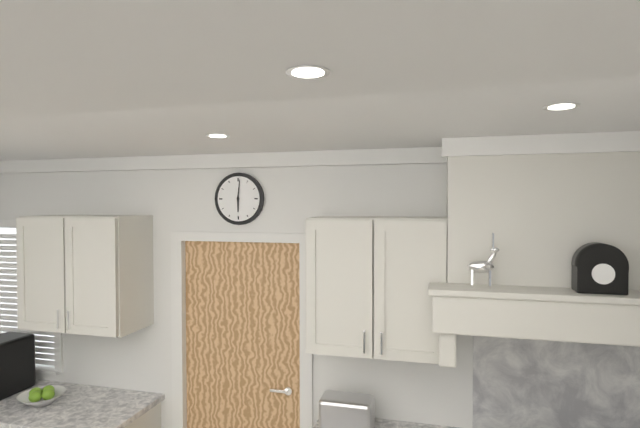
6:01
